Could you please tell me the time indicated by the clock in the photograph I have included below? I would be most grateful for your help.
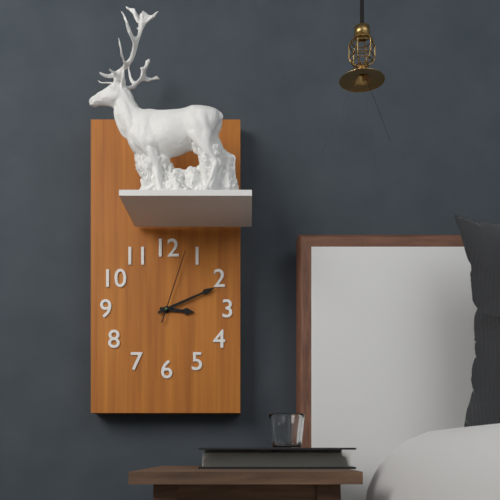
3:11:03
